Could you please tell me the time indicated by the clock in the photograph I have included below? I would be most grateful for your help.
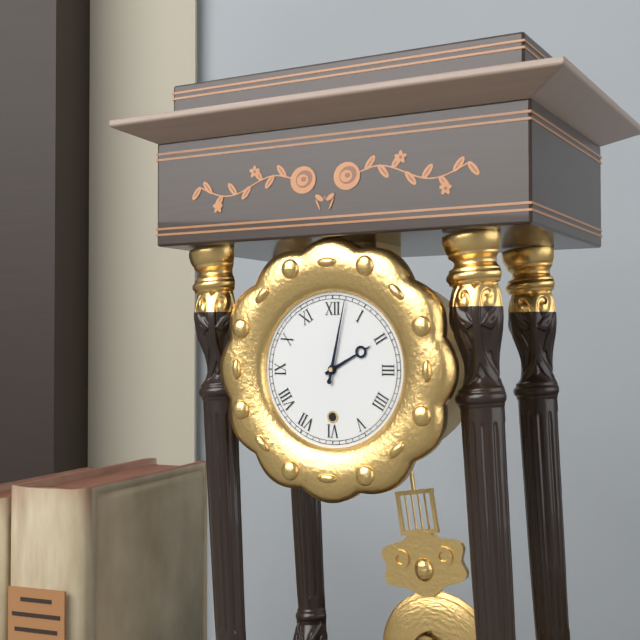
2:02
